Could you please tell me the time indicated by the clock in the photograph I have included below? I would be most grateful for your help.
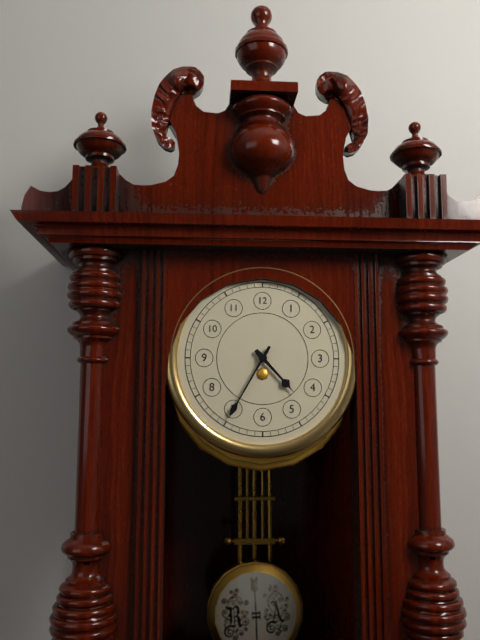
4:35
